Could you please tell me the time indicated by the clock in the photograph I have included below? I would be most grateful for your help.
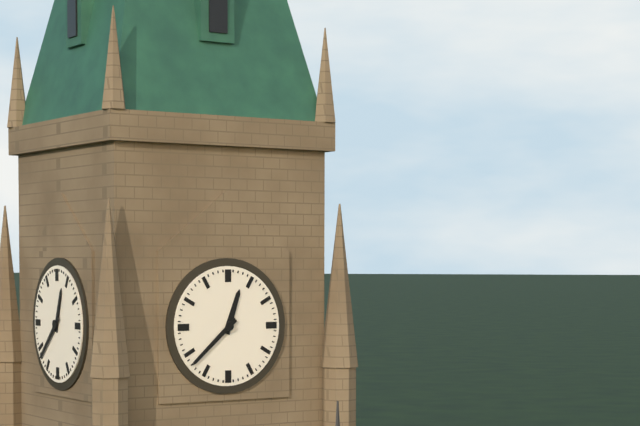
12:38
